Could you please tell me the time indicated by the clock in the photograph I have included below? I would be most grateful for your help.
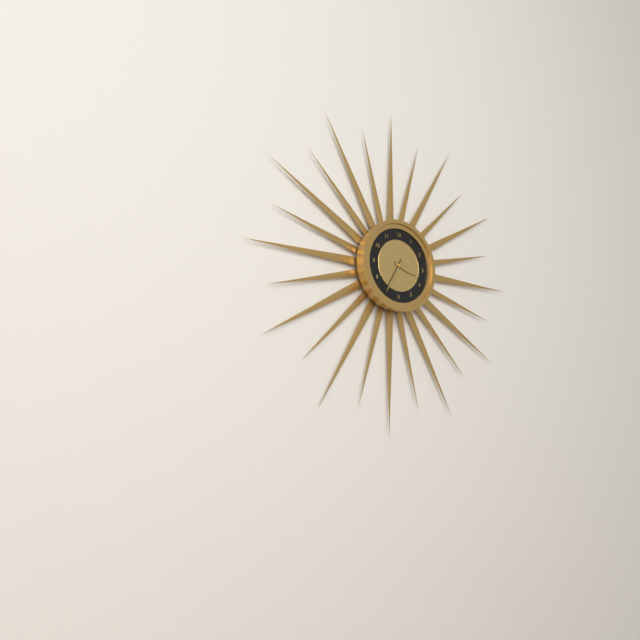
3:35
